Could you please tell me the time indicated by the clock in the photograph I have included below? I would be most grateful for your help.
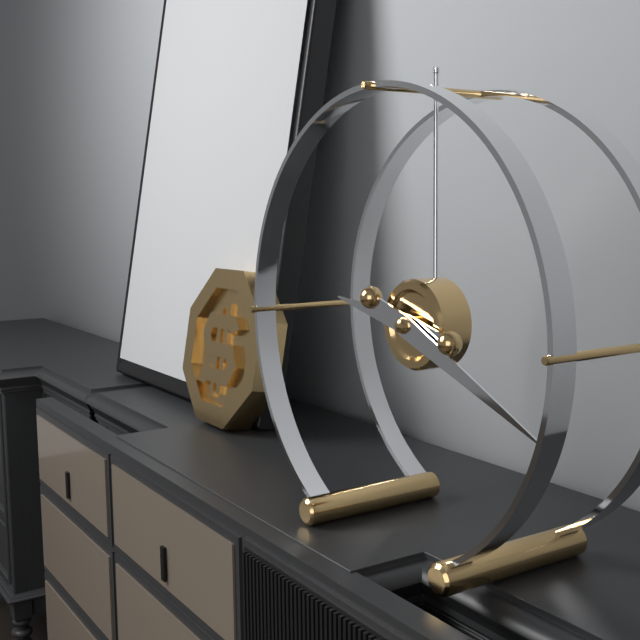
9:19
